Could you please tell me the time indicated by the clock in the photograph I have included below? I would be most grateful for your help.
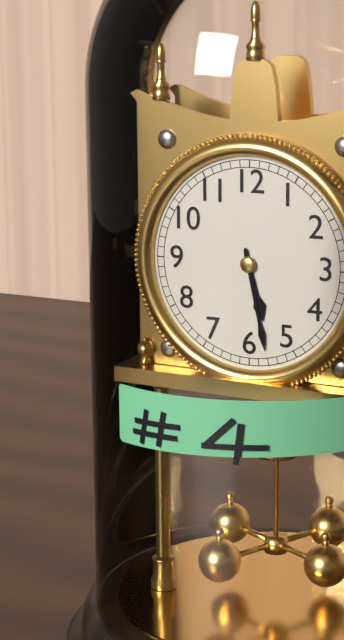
5:28
